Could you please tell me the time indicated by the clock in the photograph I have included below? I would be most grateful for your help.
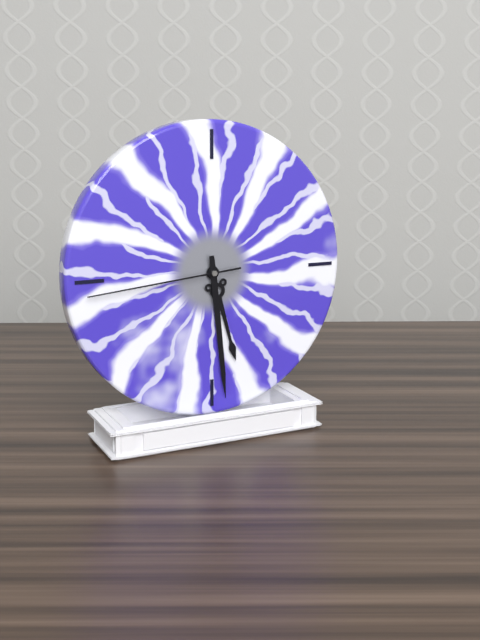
5:29:44
